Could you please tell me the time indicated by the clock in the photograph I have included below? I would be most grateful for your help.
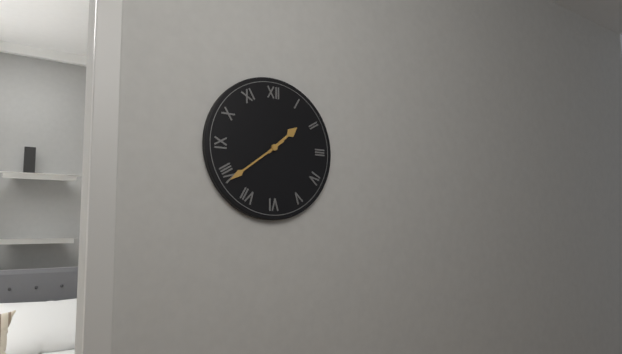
1:39
